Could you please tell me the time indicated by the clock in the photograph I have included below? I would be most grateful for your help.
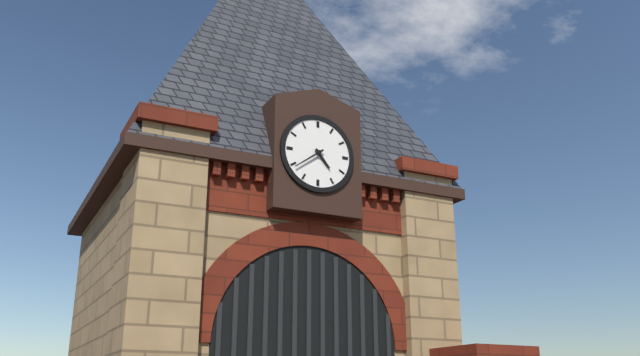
4:39
